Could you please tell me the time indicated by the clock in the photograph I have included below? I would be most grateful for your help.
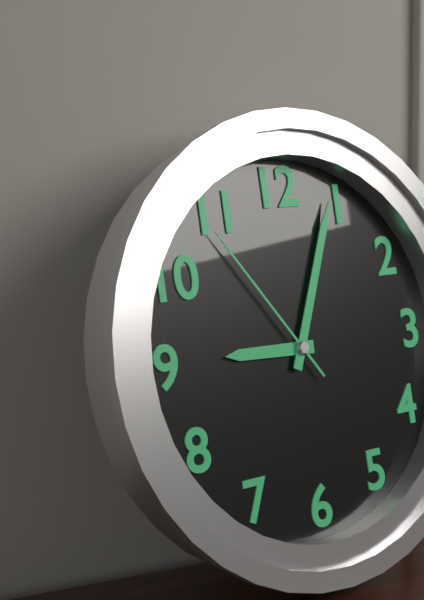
9:04:54
